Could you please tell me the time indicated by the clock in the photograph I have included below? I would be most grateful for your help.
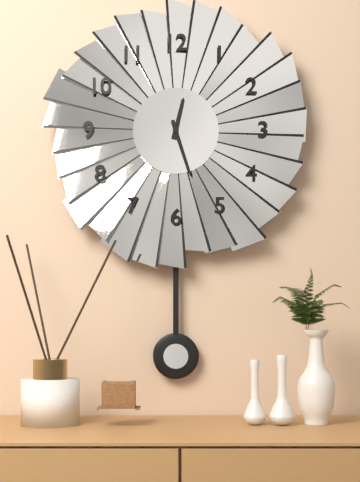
12:27
